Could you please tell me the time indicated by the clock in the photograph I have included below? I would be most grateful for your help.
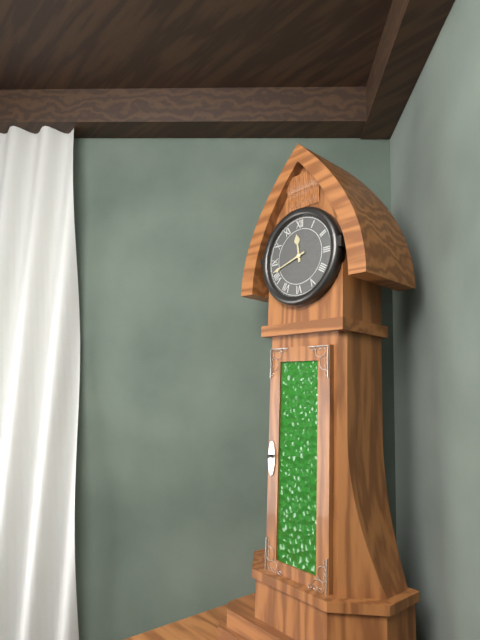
11:42
